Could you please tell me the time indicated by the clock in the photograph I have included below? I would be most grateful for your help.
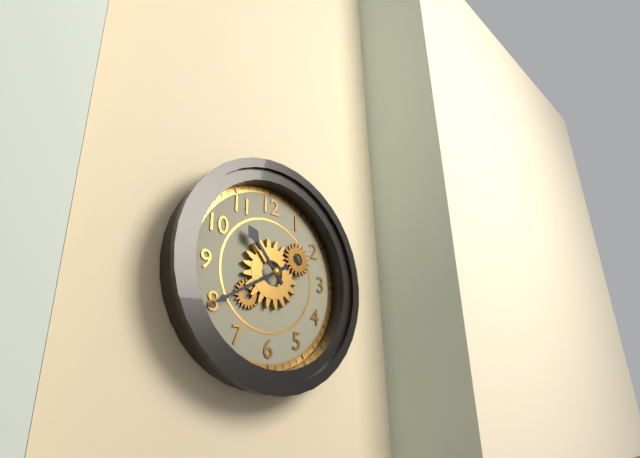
10:40
